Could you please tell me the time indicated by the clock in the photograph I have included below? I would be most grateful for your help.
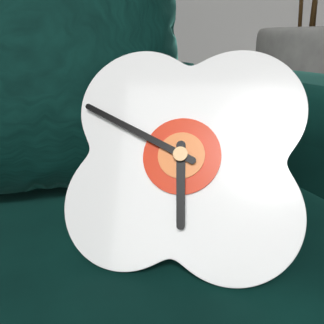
5:49
